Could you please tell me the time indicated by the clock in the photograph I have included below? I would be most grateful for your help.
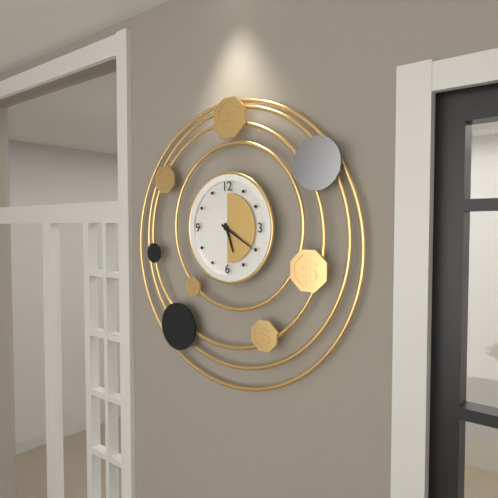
5:20
